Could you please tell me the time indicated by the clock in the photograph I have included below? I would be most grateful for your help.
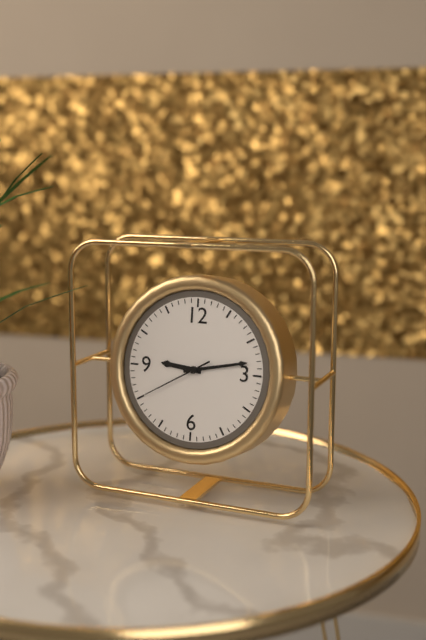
9:13:40
